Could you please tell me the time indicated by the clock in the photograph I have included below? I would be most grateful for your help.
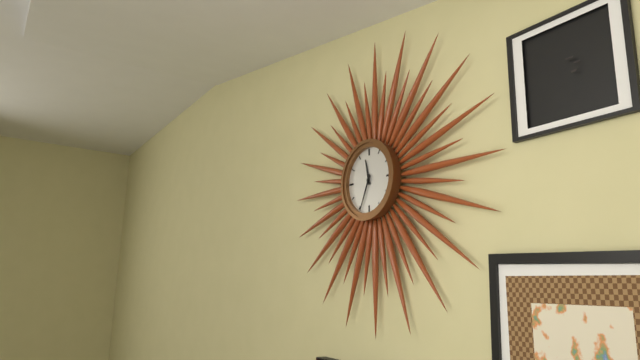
11:34
